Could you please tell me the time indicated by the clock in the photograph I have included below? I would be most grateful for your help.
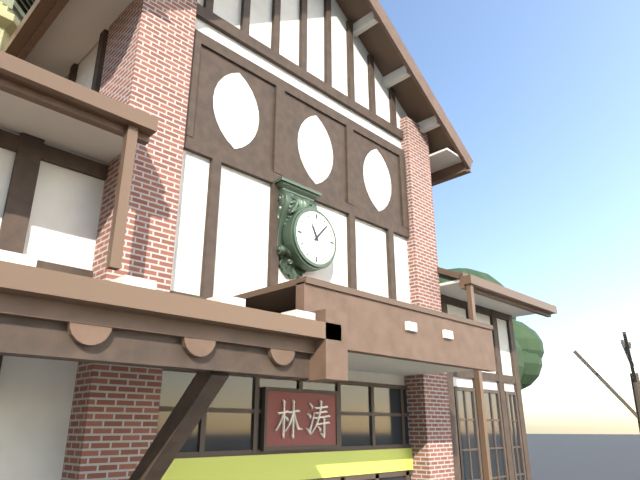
11:07
